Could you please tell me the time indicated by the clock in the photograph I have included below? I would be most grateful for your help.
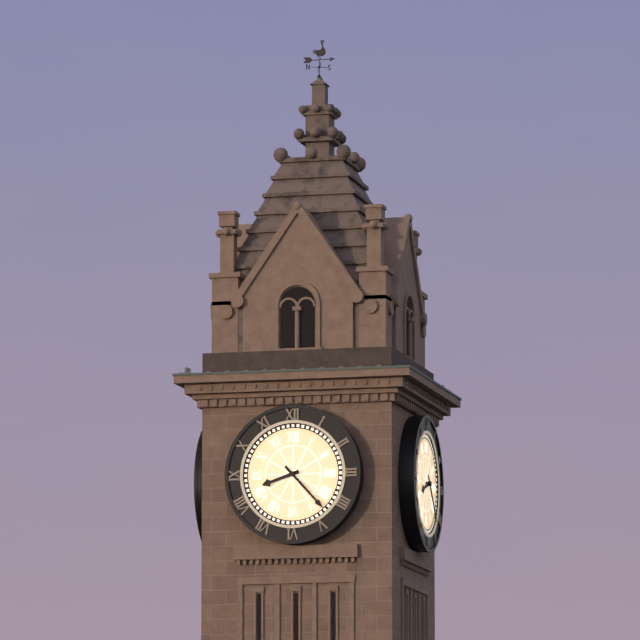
8:23
